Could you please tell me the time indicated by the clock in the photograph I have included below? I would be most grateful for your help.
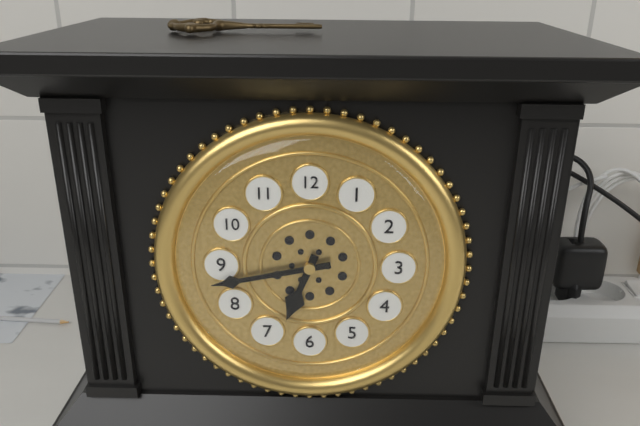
6:43
